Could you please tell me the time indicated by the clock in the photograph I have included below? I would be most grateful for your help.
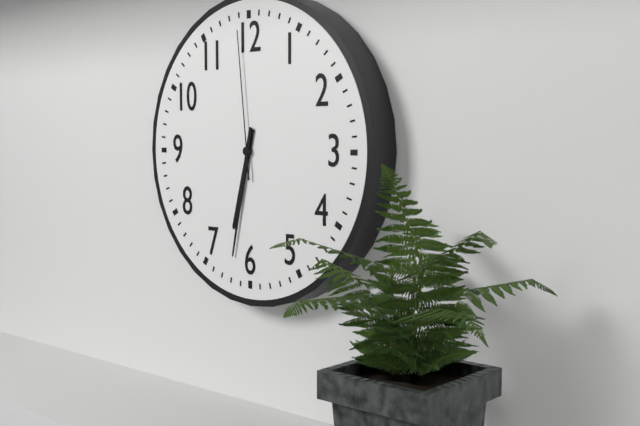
6:32:59
